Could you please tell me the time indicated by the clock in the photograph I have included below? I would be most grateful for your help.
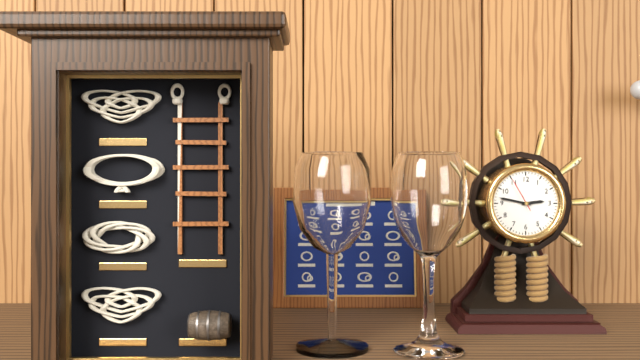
2:47
